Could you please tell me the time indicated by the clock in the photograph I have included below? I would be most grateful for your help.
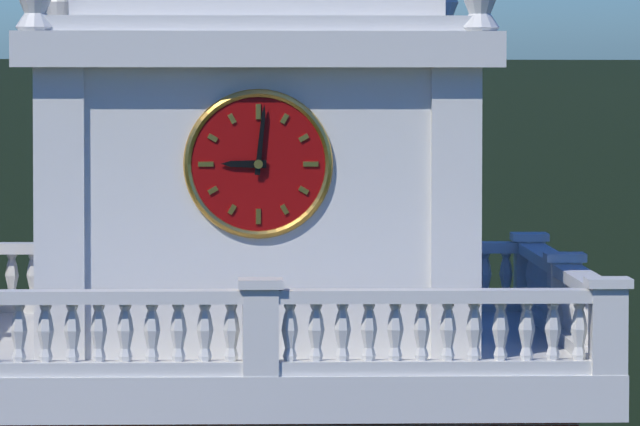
9:01
